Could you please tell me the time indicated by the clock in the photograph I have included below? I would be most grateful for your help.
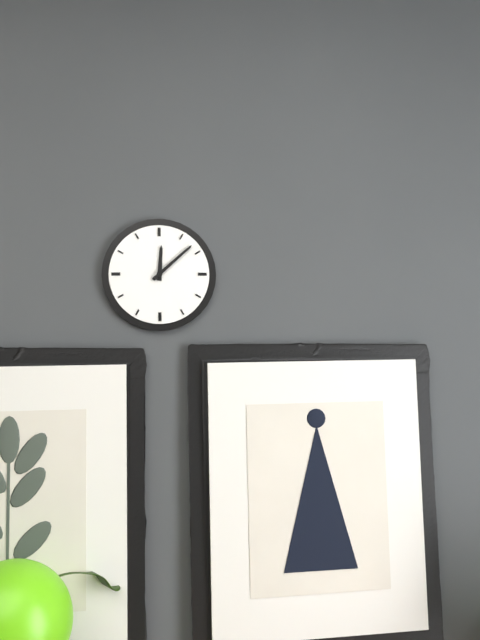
12:08
